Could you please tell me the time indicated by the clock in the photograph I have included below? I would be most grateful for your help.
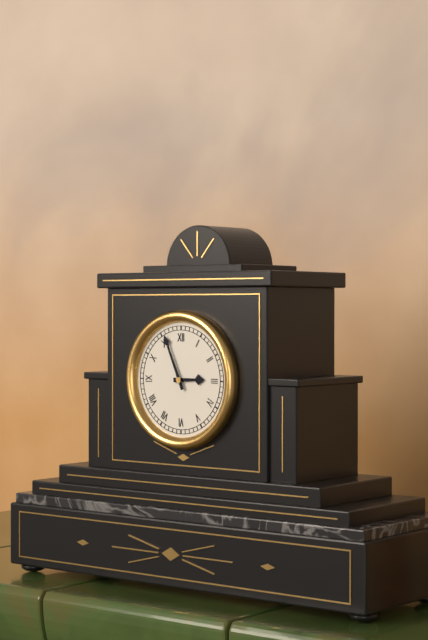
2:56
